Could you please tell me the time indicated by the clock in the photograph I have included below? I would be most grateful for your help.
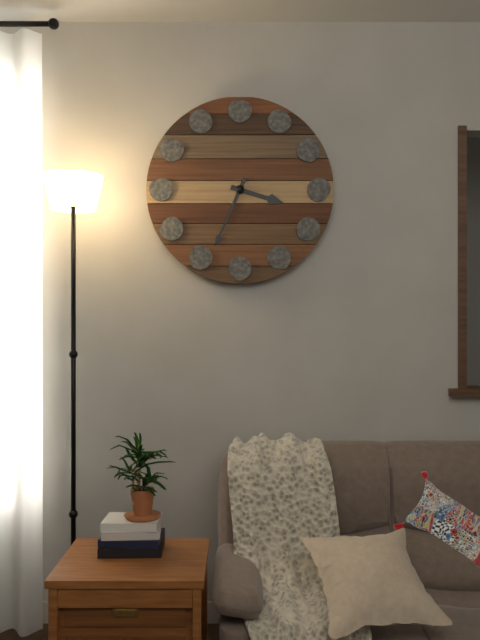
3:34
